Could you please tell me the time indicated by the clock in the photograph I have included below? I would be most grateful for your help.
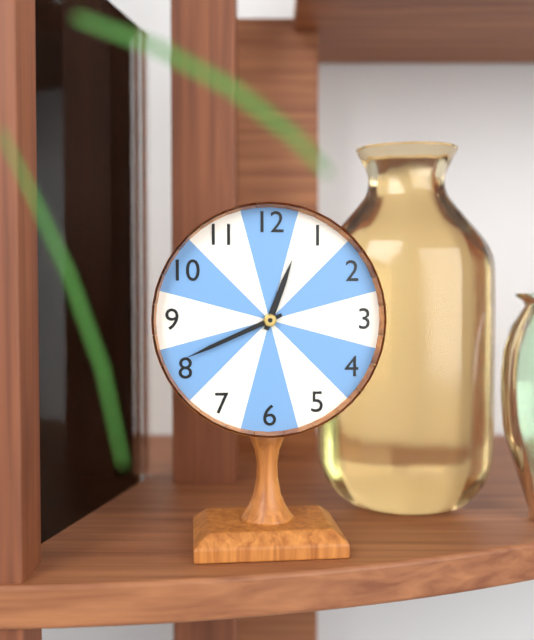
12:41
